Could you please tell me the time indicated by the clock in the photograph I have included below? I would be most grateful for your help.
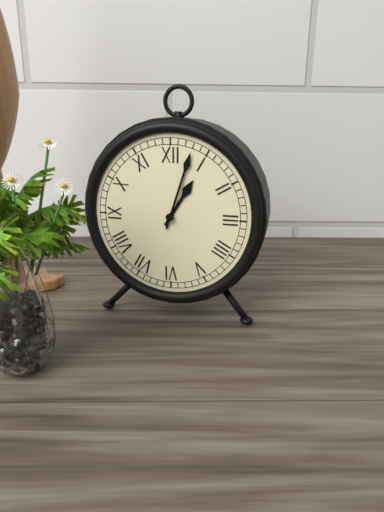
1:03
